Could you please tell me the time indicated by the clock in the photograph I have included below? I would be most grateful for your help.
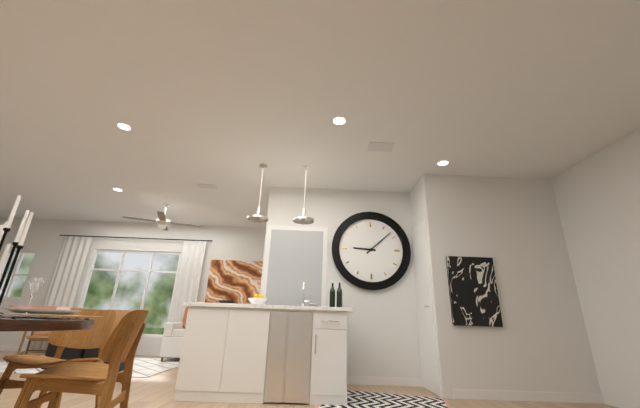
9:08
